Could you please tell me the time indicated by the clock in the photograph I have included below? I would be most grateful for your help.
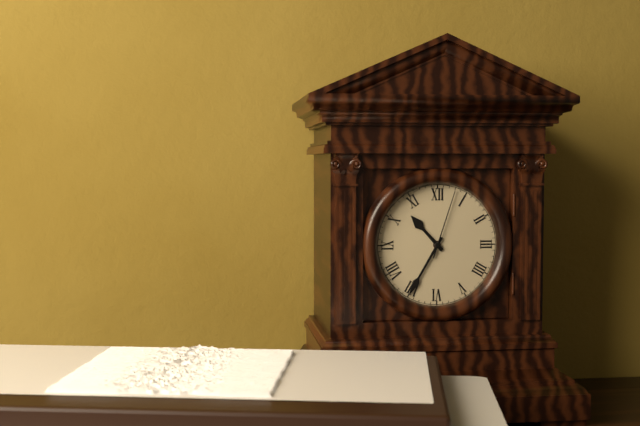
10:35:03
